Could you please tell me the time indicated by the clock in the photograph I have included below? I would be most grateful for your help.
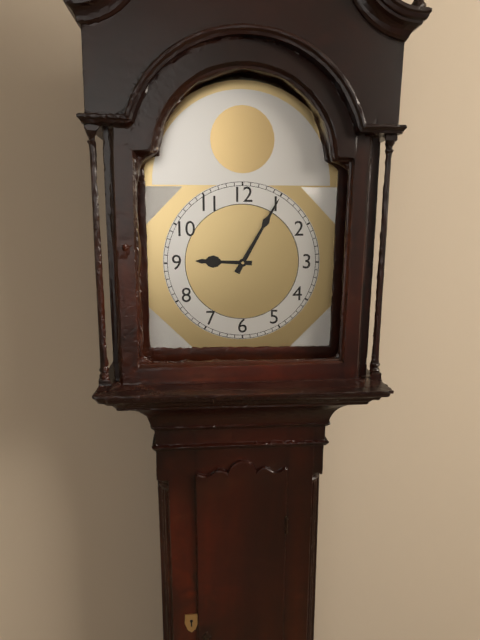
9:05
